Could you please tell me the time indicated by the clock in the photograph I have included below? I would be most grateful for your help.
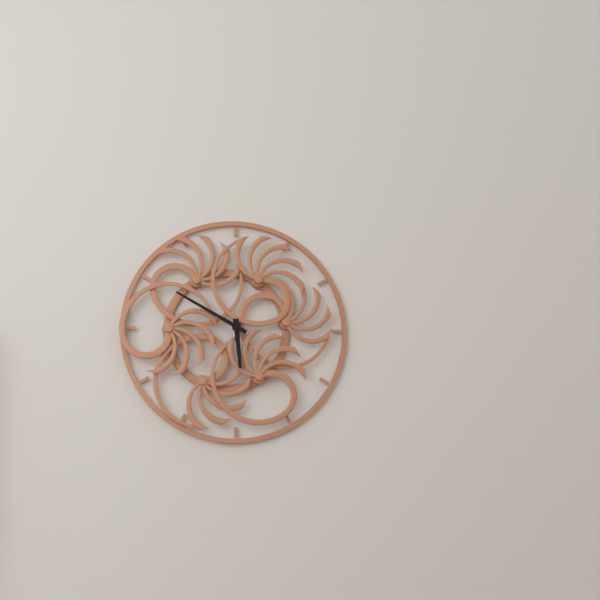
5:50
